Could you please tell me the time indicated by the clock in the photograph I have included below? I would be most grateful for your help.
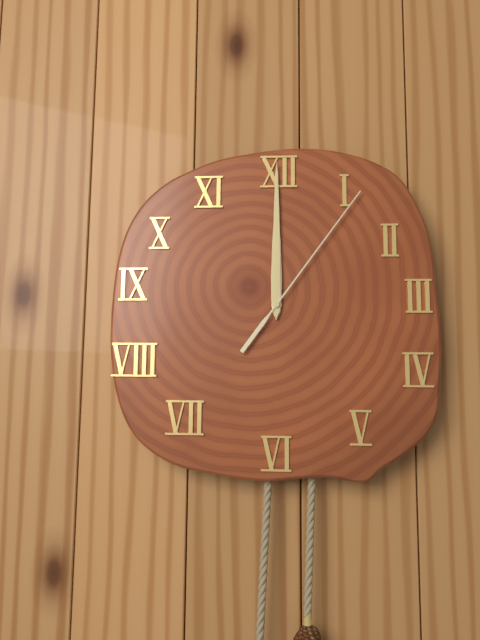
12:00:06
